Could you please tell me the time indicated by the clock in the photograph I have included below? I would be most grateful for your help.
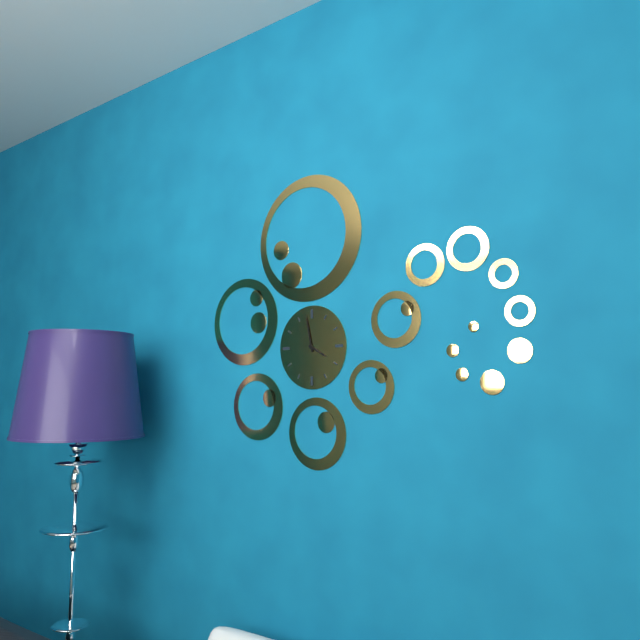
3:58
